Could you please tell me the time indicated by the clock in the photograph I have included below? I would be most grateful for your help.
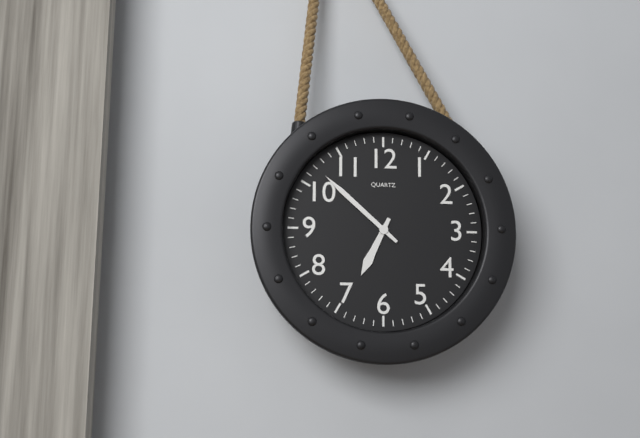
6:52
